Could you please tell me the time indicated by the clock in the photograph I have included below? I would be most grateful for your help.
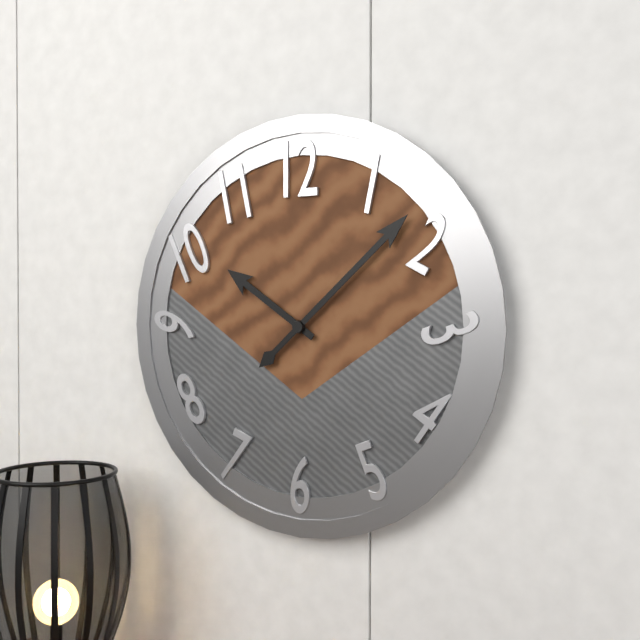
10:08
